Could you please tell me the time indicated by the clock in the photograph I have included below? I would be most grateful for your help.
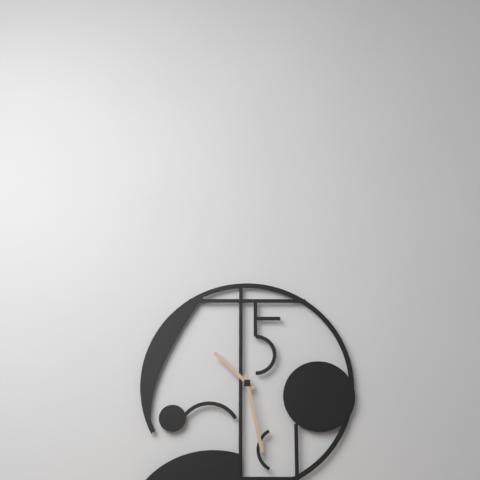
10:28
